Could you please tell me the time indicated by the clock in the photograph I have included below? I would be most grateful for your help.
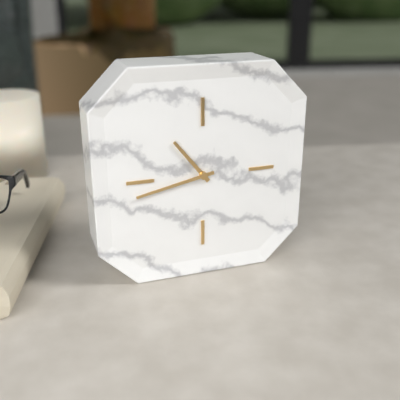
10:43
